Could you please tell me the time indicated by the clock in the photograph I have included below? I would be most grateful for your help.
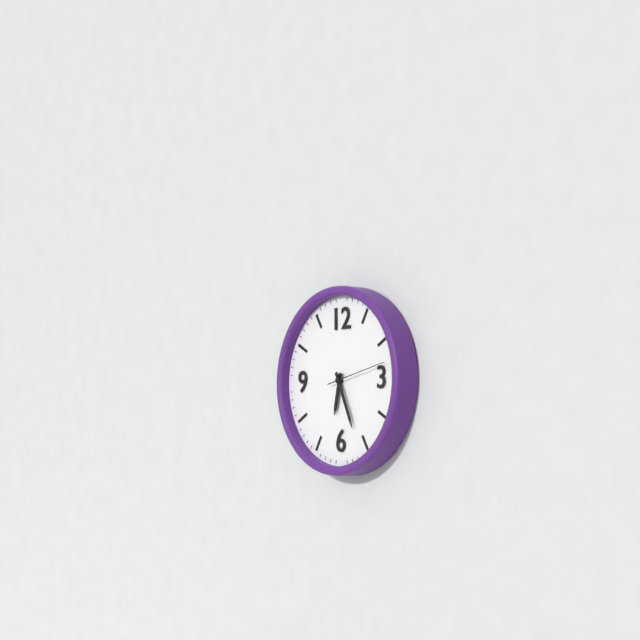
6:26
